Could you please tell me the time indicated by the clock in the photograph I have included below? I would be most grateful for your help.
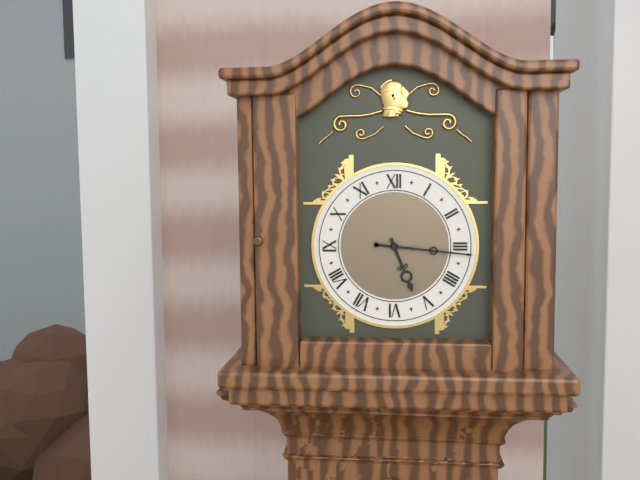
5:16
